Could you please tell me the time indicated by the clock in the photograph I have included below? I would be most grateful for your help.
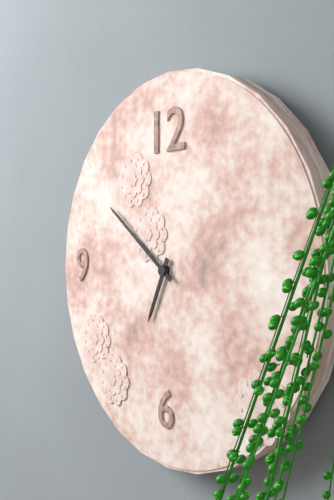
6:51
